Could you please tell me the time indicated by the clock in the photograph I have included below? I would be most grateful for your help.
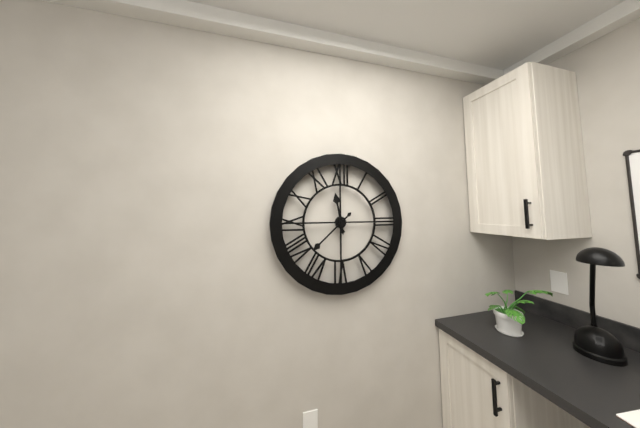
11:38
